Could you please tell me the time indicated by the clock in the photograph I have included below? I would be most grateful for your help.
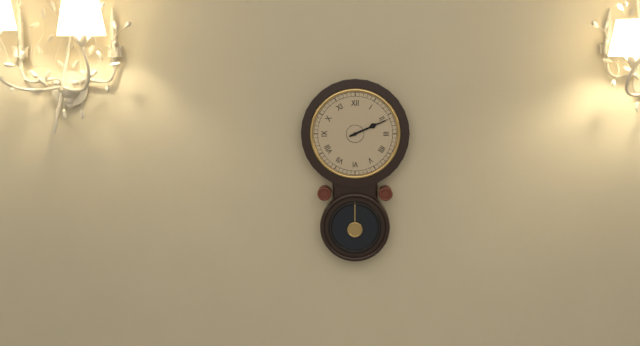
2:11
